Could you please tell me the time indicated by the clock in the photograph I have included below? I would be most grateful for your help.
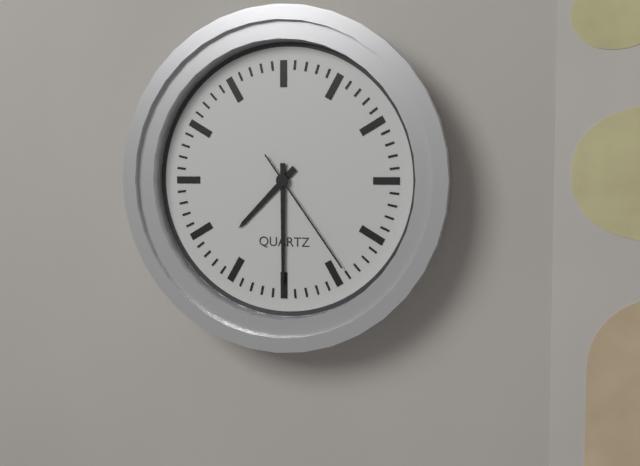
7:30:24
